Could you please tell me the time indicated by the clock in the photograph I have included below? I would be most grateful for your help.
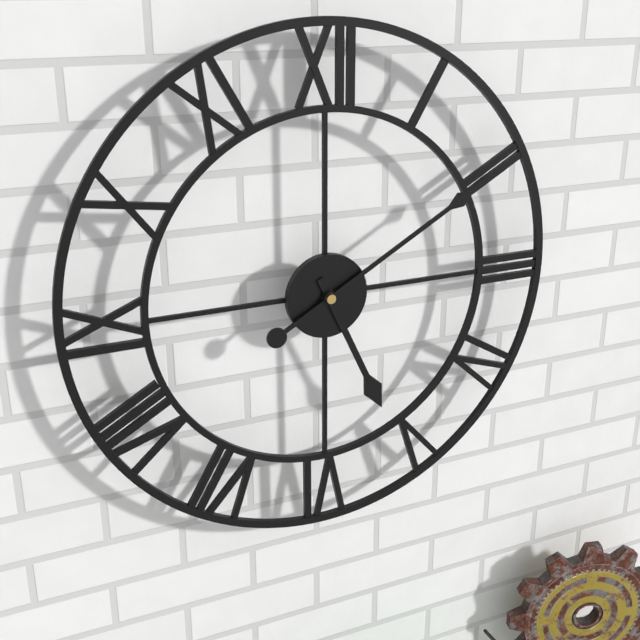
5:10
